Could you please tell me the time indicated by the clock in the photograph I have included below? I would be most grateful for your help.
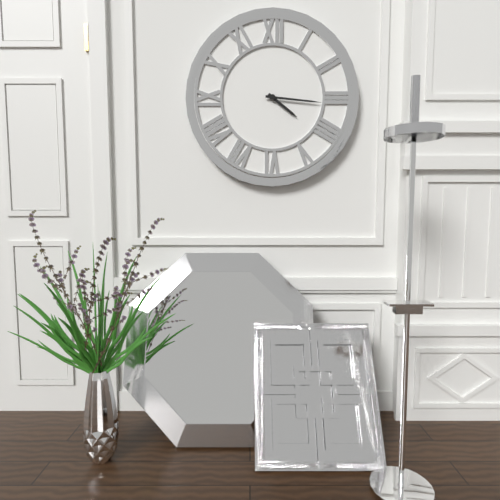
4:16
